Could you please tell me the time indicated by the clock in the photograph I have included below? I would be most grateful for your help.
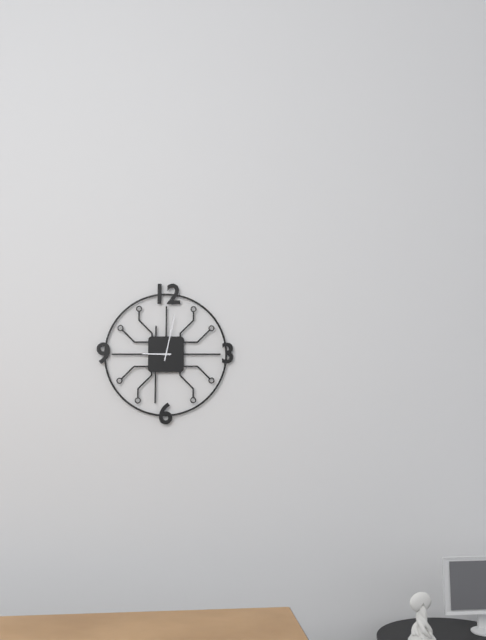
9:02
